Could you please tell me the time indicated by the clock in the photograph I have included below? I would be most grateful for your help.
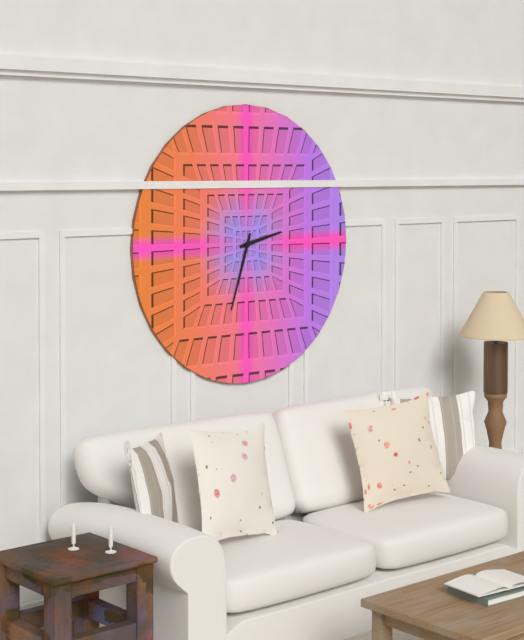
2:33
